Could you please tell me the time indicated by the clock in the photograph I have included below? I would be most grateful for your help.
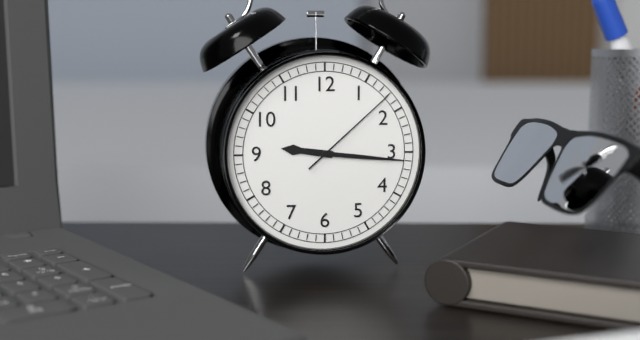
9:16:08
